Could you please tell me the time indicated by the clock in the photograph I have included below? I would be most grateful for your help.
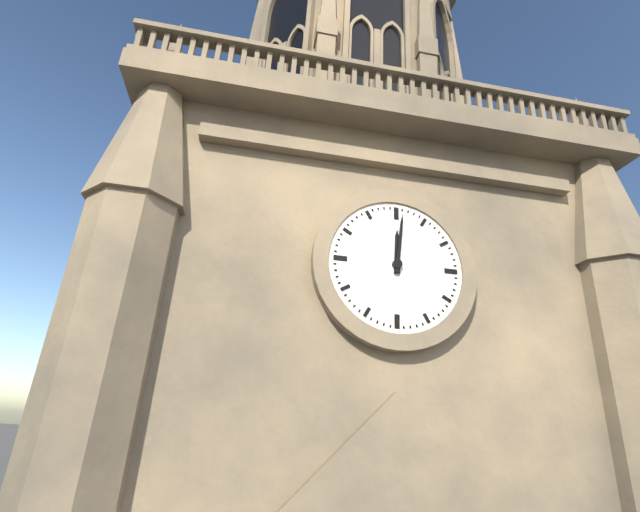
12:01
